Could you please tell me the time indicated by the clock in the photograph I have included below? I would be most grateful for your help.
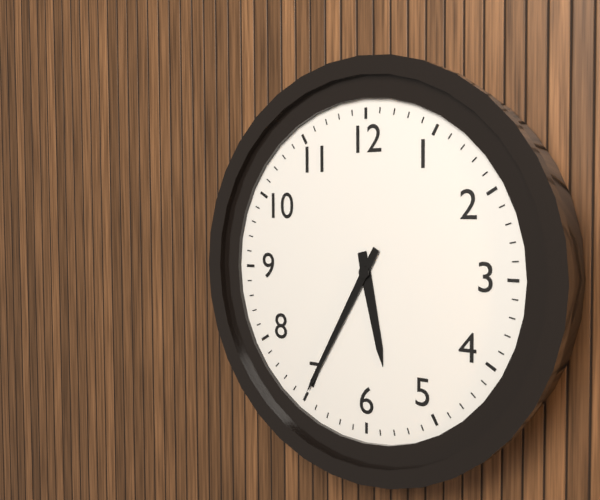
5:35
